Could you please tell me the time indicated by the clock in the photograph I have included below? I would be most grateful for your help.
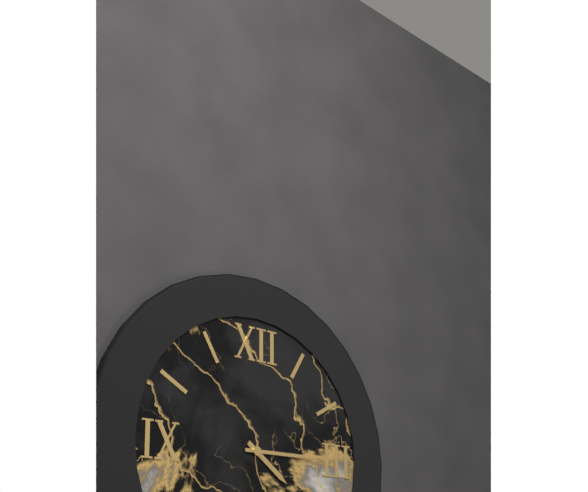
4:15
